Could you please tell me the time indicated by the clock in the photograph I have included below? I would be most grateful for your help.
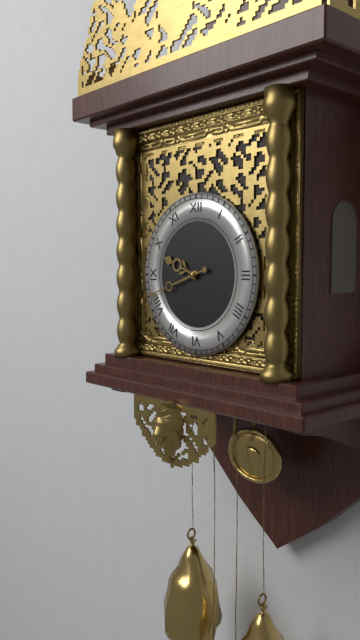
9:42
